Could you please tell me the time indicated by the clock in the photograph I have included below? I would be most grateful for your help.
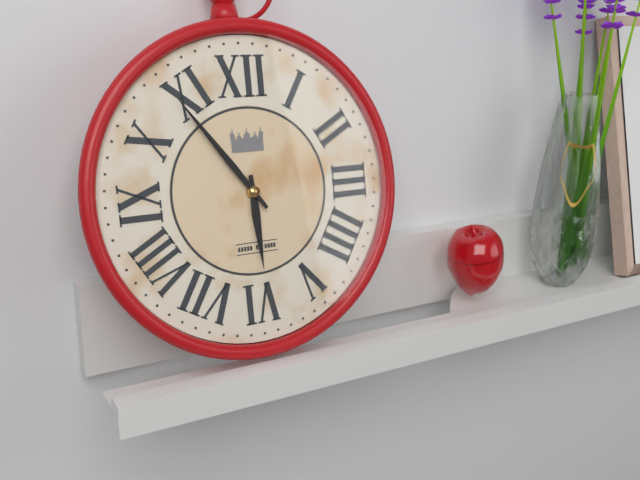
5:54
